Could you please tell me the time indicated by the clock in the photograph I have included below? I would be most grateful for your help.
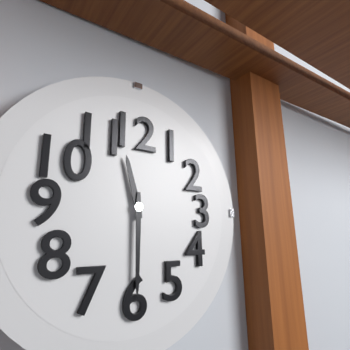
11:30
